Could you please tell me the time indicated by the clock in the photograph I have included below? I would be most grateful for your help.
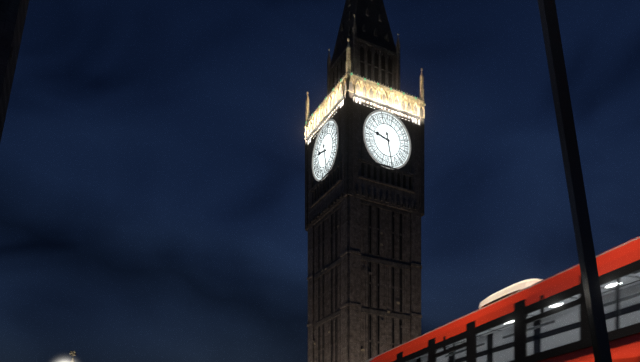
9:28
